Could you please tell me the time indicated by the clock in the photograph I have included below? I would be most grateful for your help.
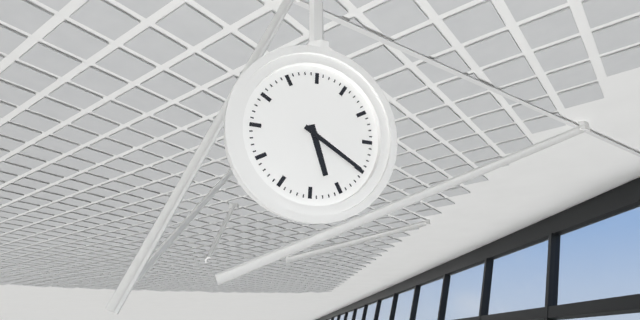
5:20
